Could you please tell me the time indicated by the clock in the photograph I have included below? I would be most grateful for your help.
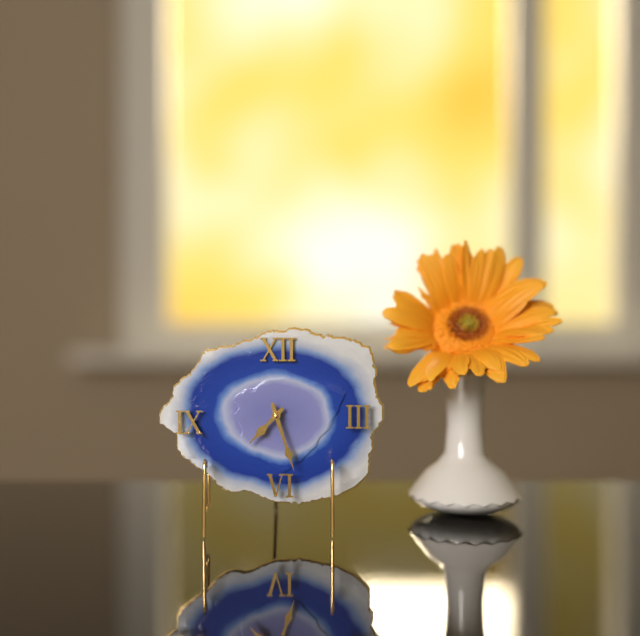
7:27
